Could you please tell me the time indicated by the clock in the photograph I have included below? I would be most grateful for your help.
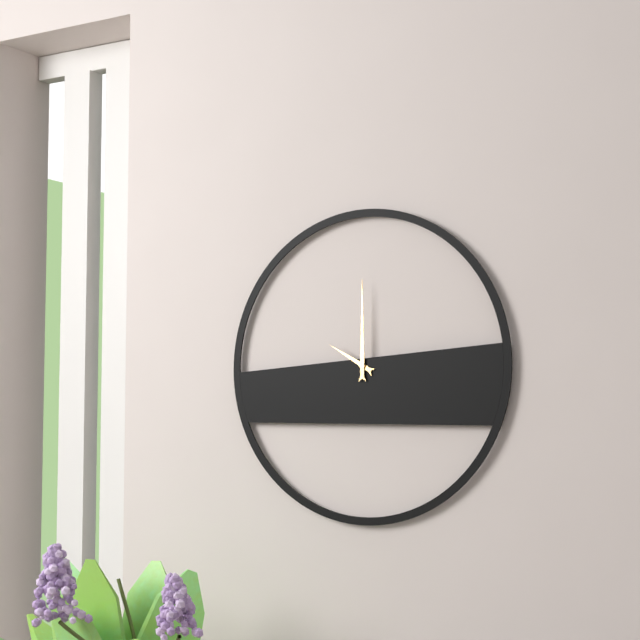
10:00
